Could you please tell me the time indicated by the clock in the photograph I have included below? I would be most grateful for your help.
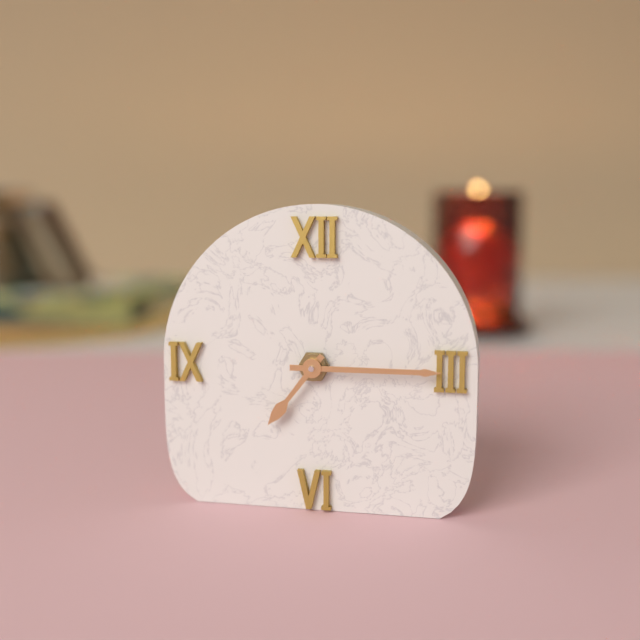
7:15
